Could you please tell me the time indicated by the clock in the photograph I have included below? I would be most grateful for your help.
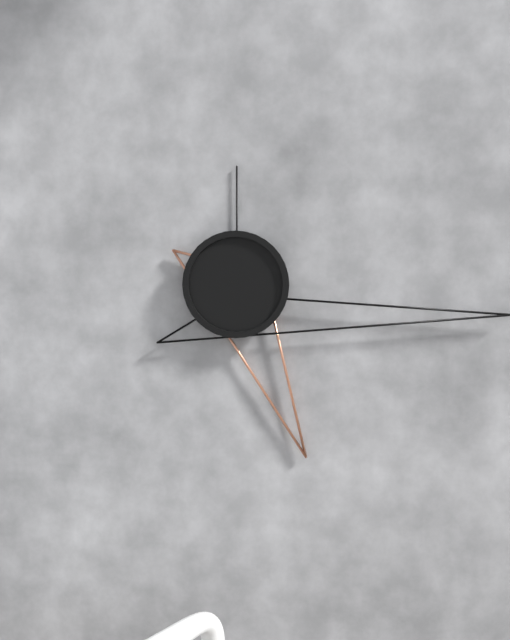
5:16:00
